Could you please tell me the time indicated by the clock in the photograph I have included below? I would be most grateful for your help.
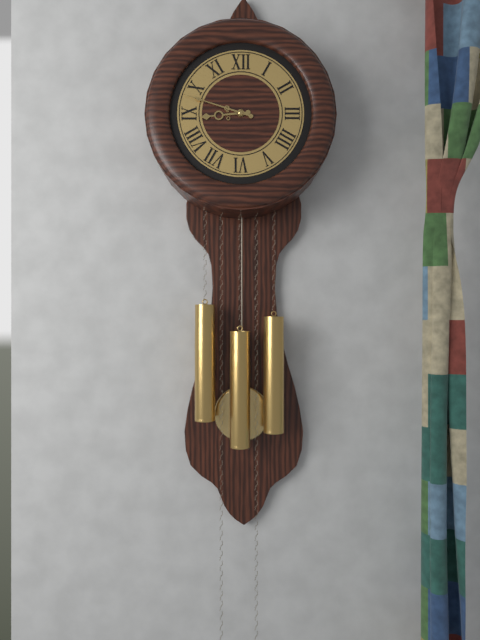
8:48
